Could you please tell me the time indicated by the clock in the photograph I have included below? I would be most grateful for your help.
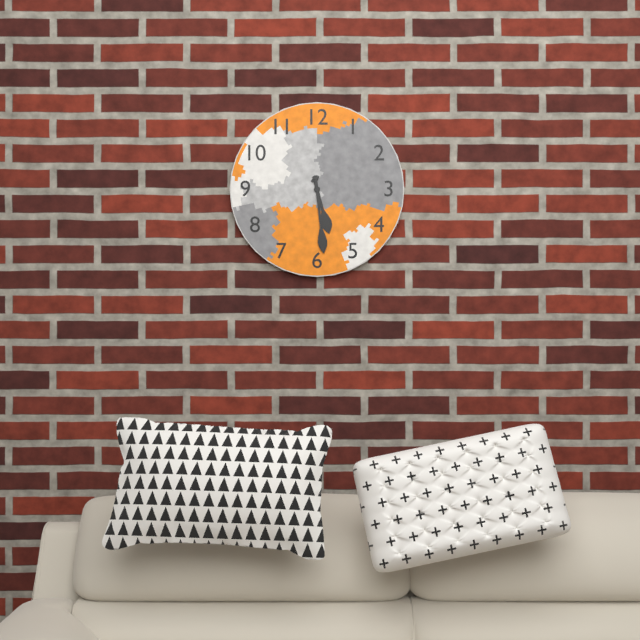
5:29
